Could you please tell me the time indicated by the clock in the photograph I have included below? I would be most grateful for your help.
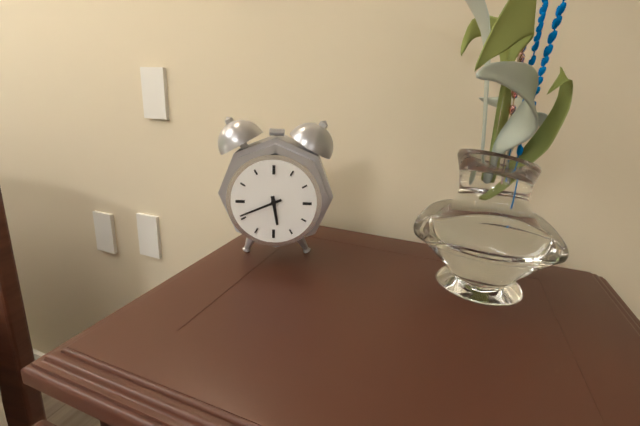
5:41
